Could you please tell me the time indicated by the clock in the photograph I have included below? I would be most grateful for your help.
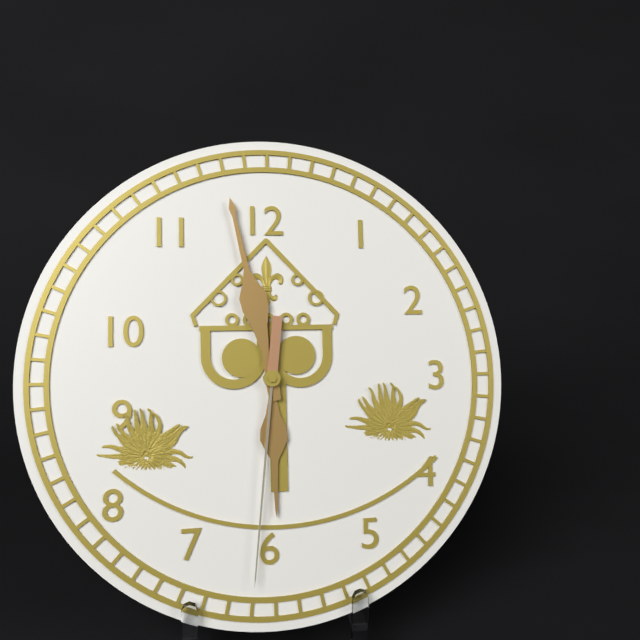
5:58:31
